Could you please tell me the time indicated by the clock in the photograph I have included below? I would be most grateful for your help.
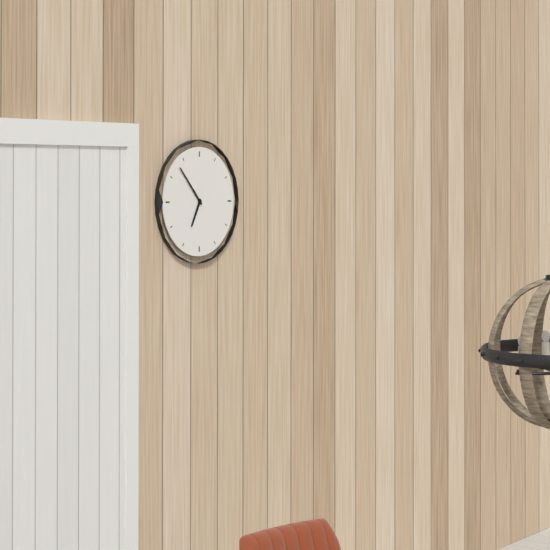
6:53
